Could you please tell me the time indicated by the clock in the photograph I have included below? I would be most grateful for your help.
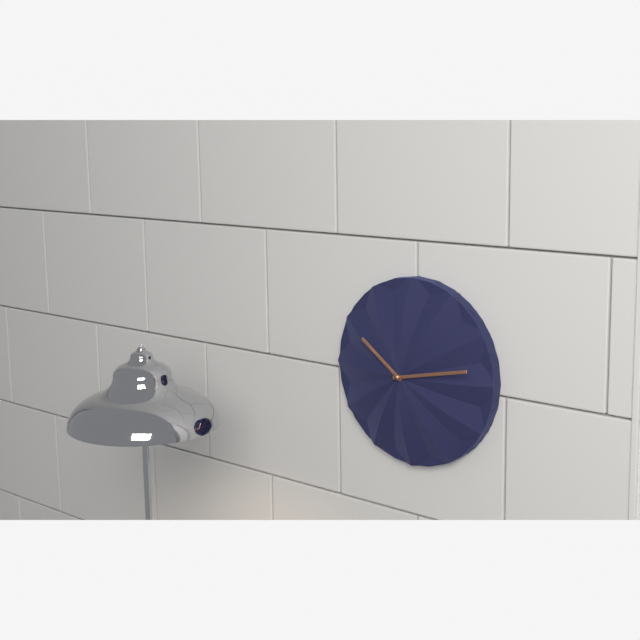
10:13
